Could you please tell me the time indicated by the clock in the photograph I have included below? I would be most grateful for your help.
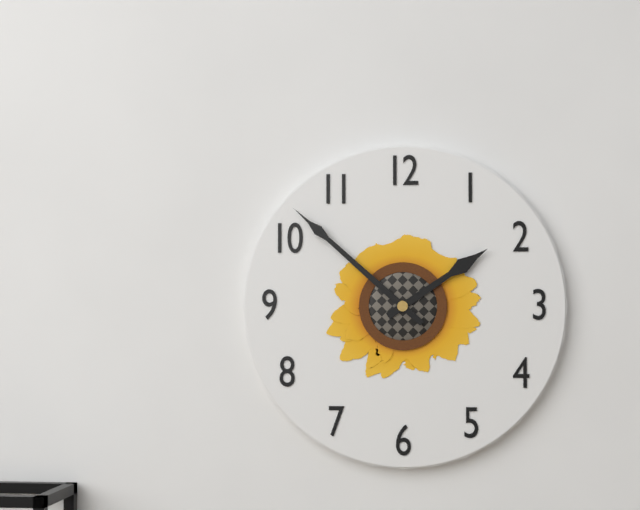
1:52
